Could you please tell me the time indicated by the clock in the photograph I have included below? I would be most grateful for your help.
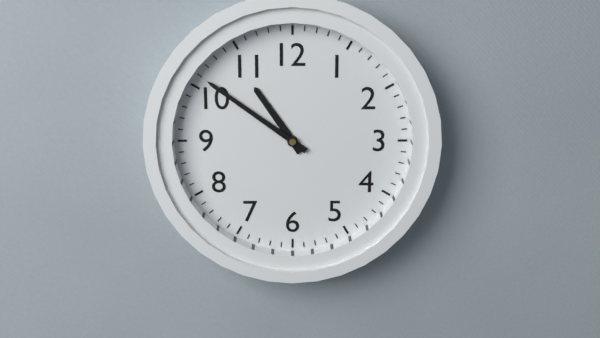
10:51
